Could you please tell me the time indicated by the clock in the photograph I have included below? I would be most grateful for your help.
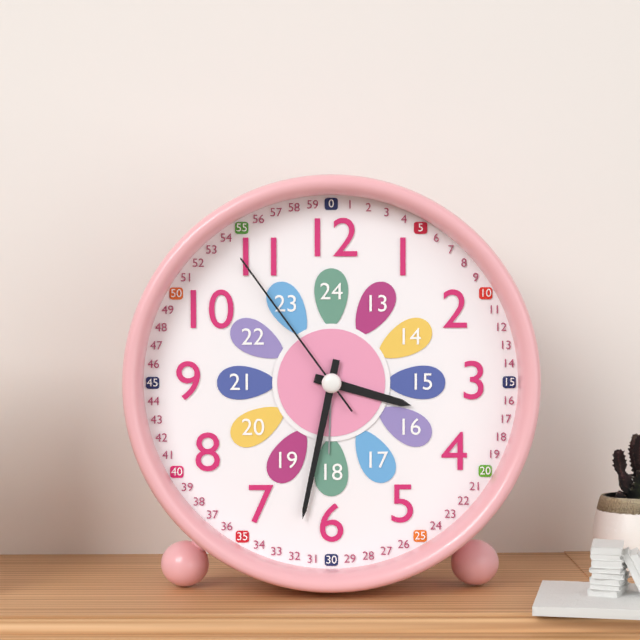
3:32:54
